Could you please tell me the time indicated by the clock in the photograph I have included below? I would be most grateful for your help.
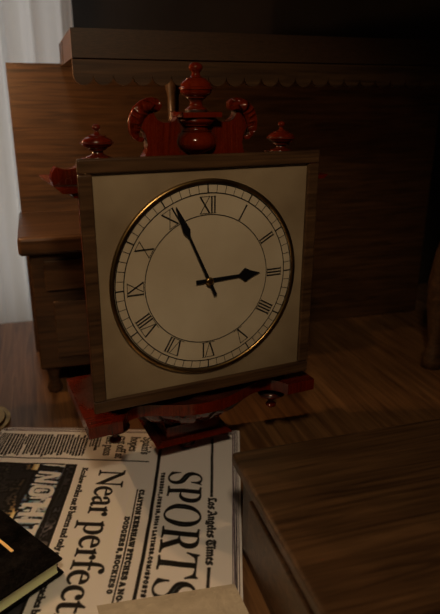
2:56
